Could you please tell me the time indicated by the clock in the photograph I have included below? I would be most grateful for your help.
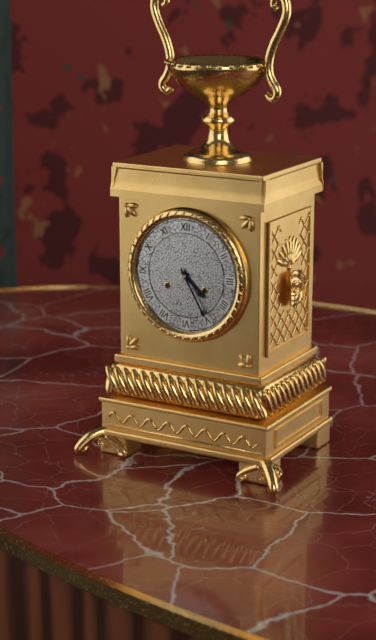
4:25
